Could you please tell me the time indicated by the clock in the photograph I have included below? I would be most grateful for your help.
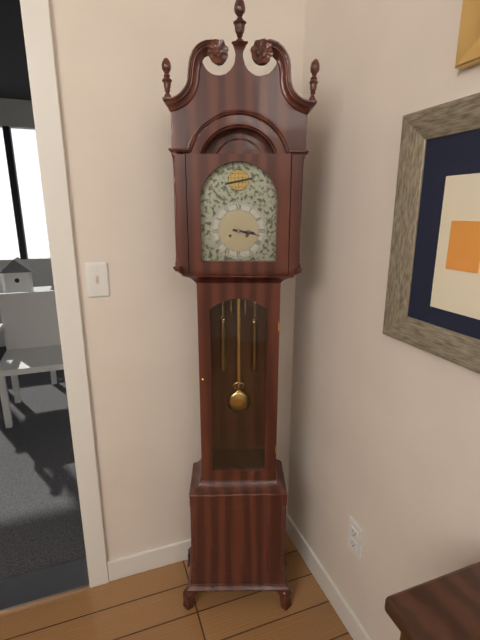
3:17
